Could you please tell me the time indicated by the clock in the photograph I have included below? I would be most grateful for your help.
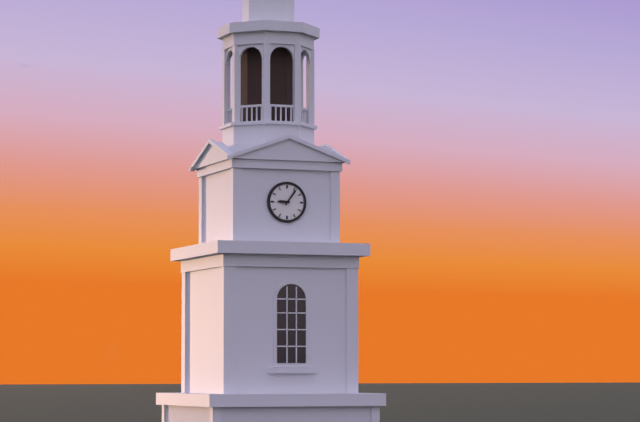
9:06
